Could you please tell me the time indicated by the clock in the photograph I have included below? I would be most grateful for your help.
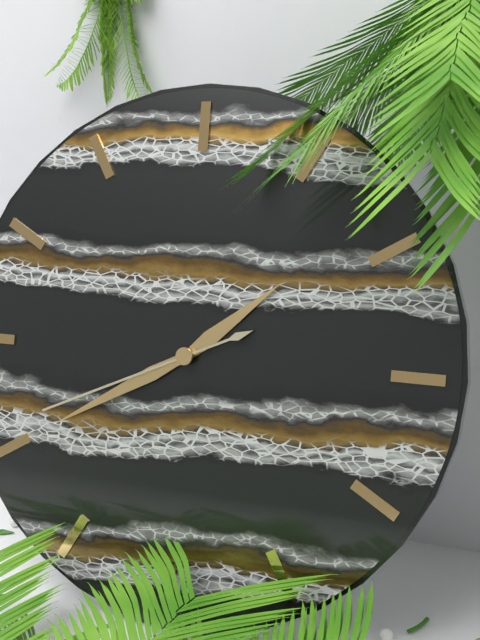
1:40:41
